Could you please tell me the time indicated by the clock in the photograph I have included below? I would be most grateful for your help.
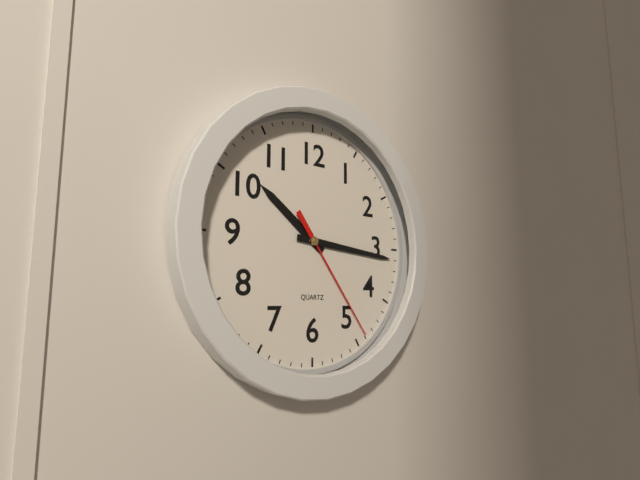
10:16:24
